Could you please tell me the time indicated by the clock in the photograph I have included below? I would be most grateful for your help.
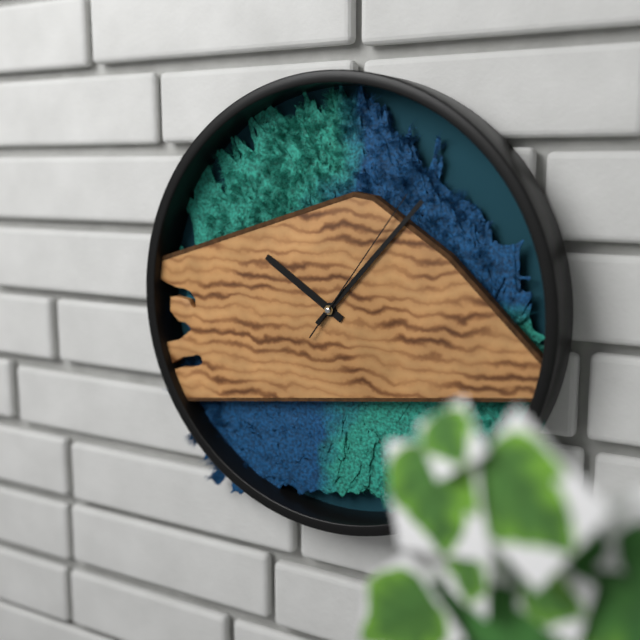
10:07:06
